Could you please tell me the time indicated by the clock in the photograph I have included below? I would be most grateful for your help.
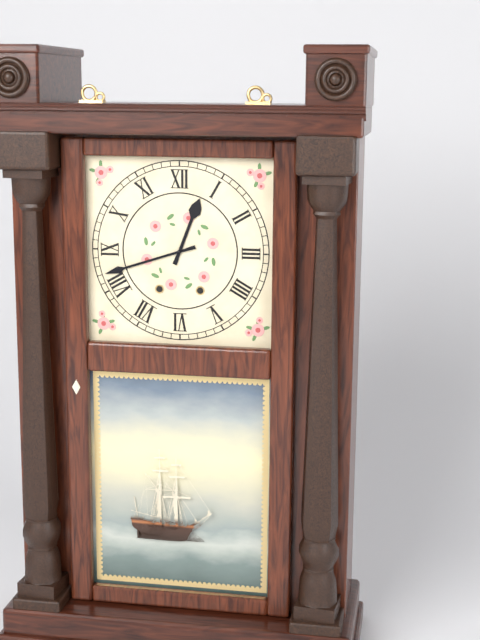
12:42
